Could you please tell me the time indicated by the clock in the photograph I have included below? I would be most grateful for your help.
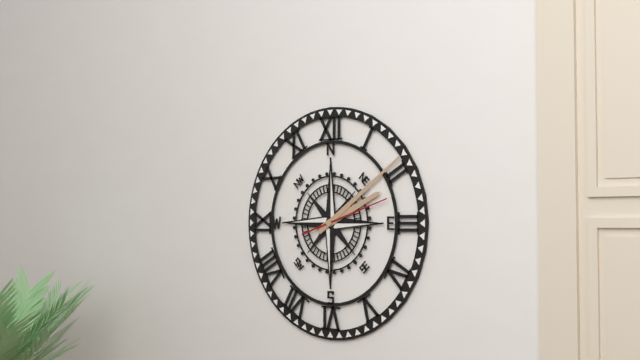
2:09:12
